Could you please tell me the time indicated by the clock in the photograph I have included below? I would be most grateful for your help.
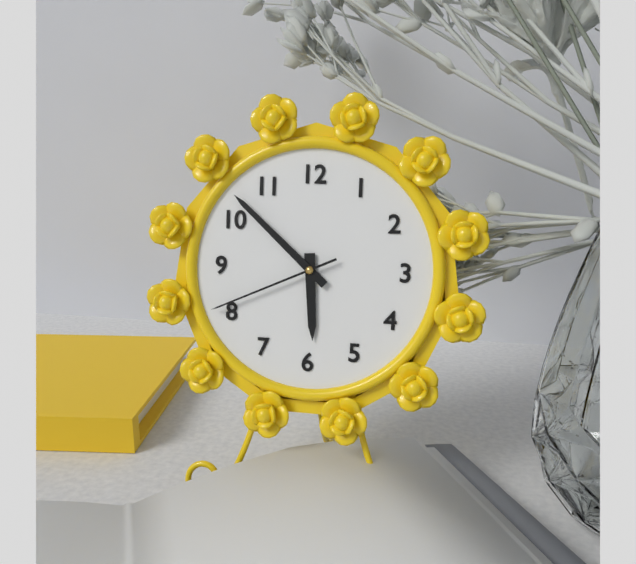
5:52:41
